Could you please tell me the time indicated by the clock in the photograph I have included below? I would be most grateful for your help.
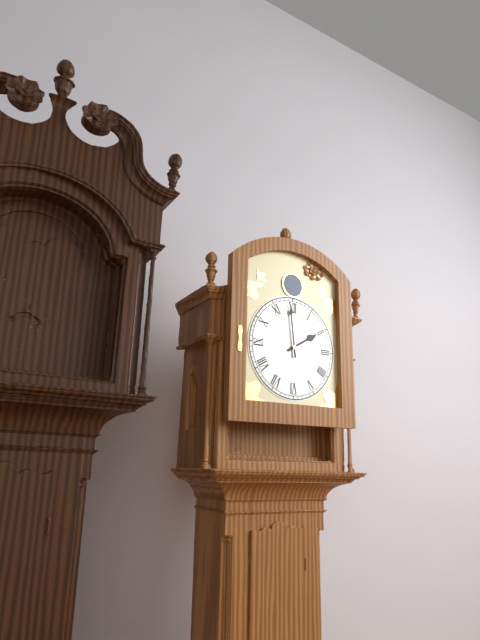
1:59
